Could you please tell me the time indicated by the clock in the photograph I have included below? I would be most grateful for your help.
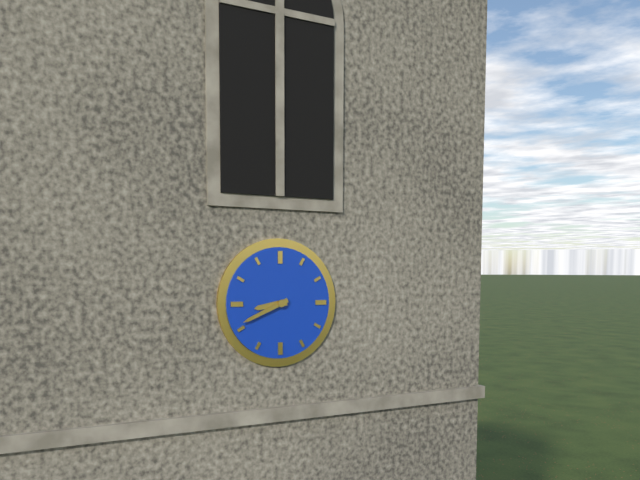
8:41
